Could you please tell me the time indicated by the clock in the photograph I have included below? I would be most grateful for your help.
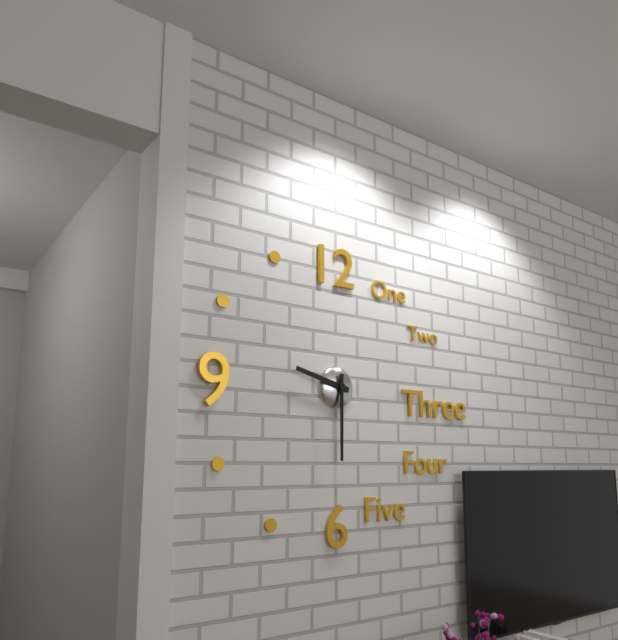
9:30
